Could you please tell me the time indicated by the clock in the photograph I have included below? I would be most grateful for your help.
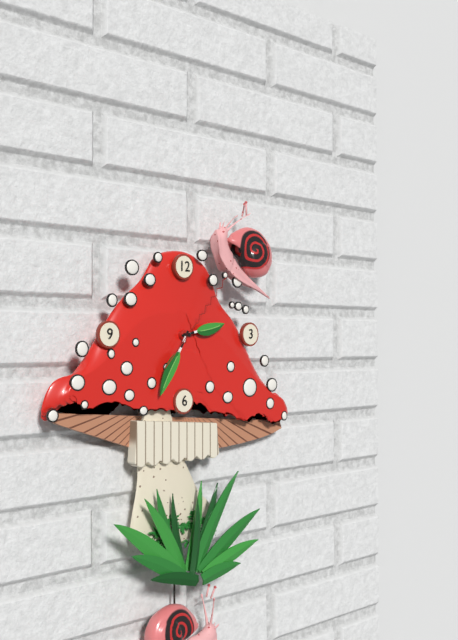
2:35:07
